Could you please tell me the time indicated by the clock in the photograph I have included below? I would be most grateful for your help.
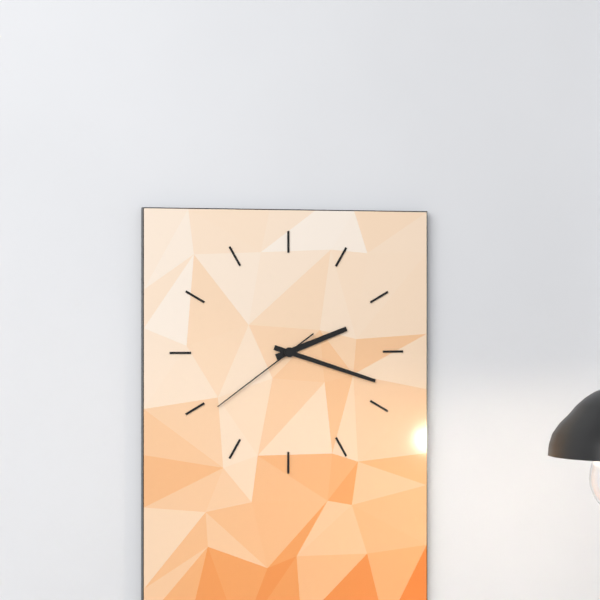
2:18:39
